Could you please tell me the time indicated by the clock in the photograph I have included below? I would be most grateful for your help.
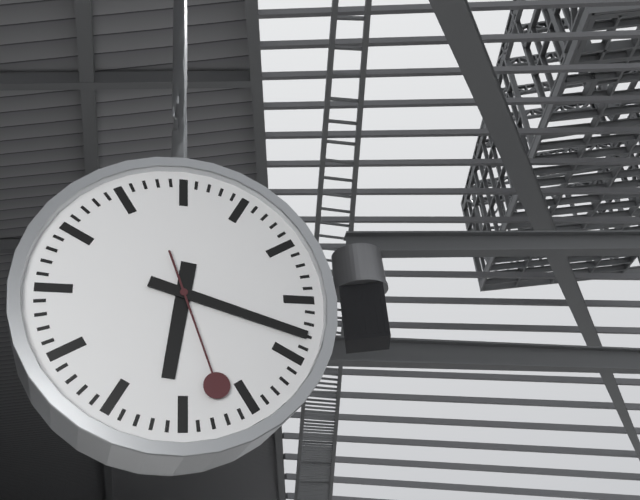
6:18:27
